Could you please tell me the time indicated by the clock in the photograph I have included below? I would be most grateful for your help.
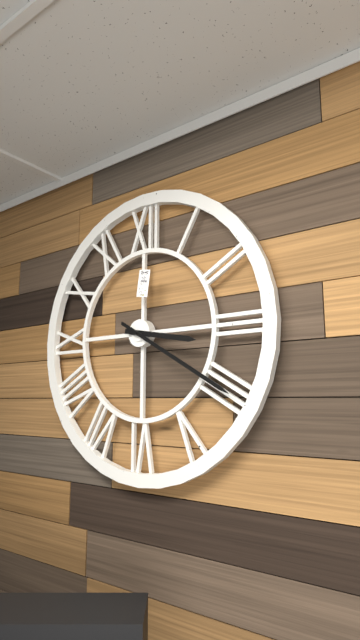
3:20
